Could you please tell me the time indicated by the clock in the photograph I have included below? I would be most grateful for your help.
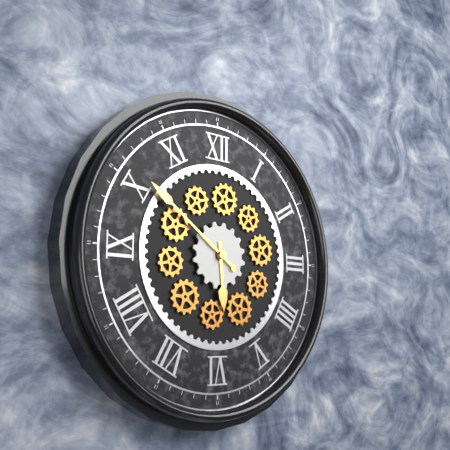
5:51
